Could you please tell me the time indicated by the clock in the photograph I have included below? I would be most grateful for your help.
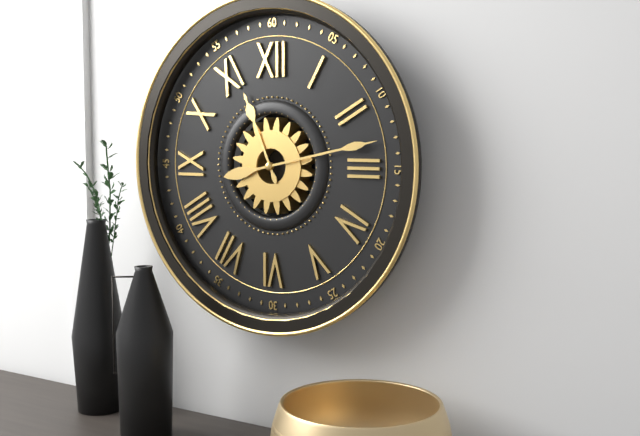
11:13
